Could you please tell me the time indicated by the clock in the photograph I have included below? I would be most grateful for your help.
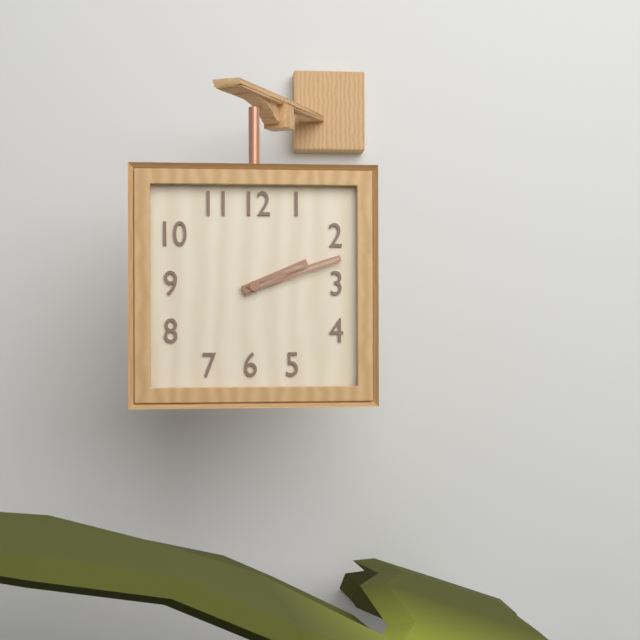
2:12
